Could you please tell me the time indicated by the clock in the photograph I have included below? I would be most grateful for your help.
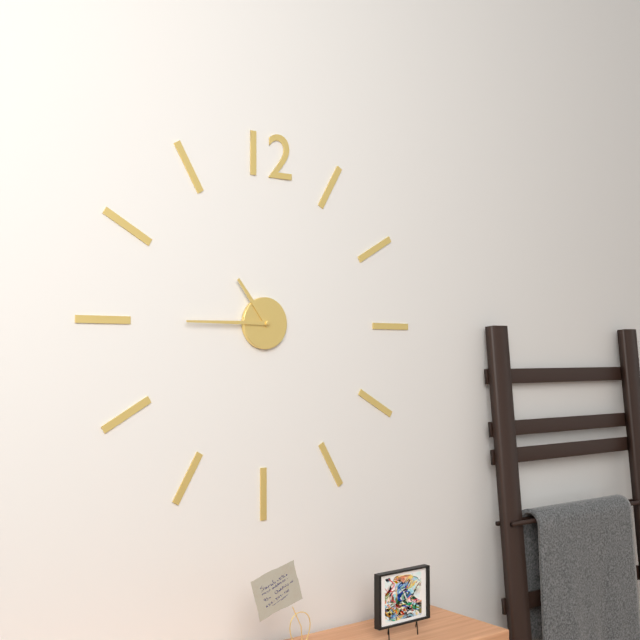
10:45
